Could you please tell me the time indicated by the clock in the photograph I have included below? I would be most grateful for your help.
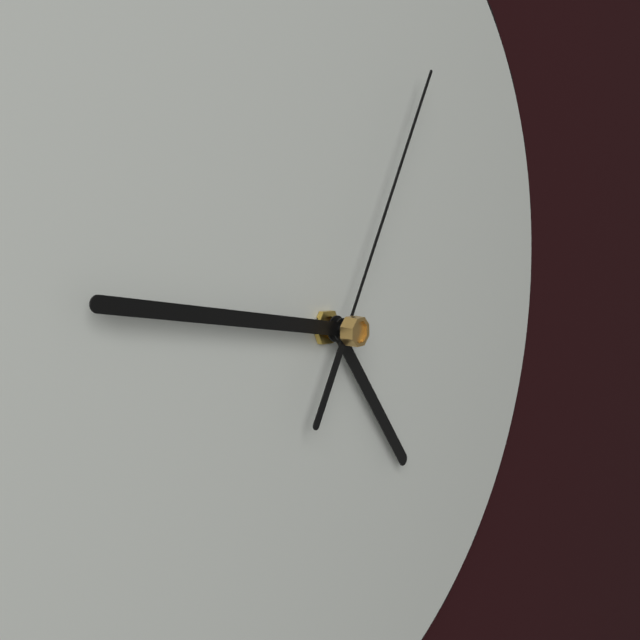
4:47:05
